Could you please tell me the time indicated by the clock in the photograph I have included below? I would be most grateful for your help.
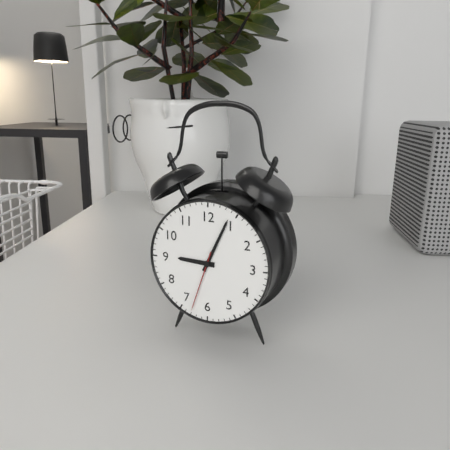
9:04:33
